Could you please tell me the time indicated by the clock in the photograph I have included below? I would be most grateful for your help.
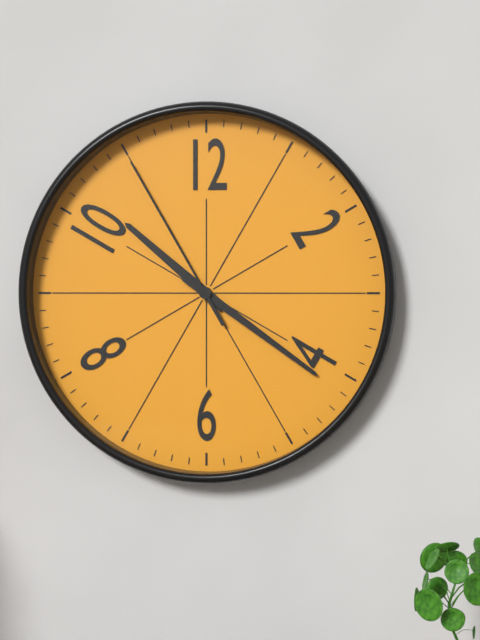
10:21:55
